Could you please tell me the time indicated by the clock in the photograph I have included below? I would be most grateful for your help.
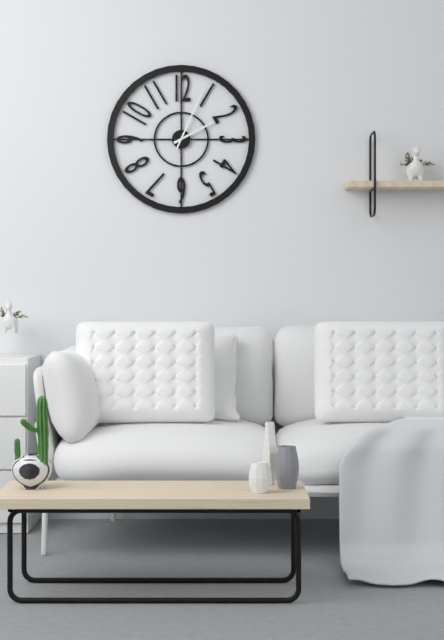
2:04
